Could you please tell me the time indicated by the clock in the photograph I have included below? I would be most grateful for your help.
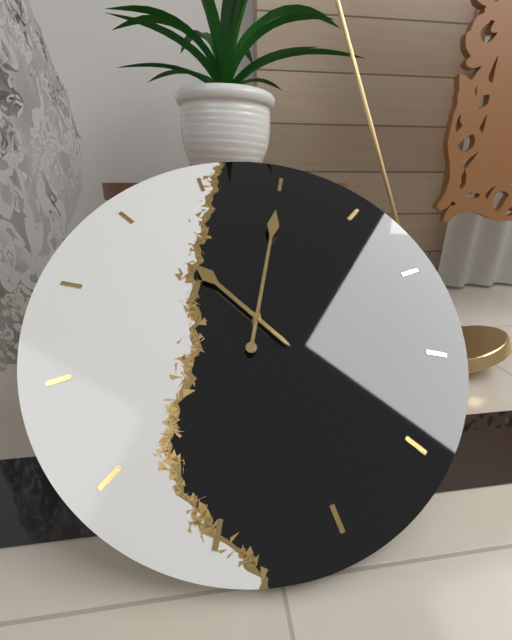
11:05
